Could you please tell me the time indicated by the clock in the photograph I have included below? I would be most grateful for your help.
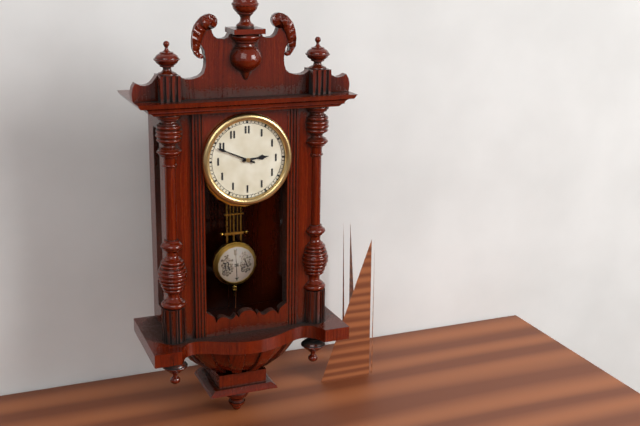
2:49
